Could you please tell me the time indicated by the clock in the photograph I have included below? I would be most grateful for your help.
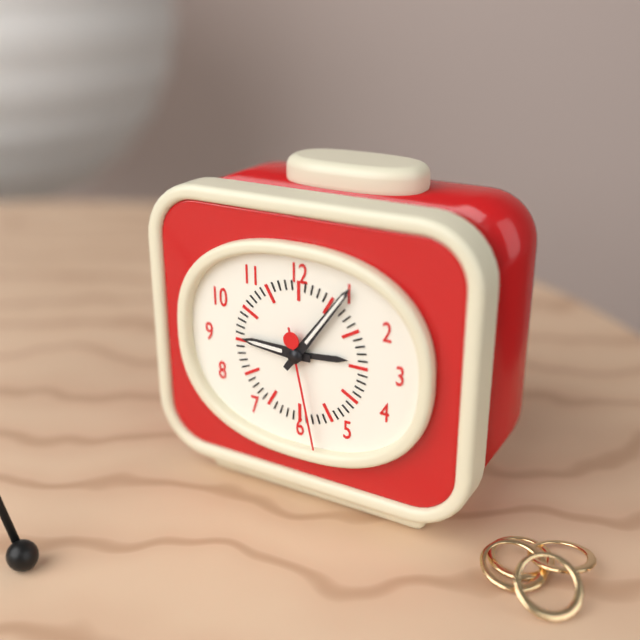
9:06:28
